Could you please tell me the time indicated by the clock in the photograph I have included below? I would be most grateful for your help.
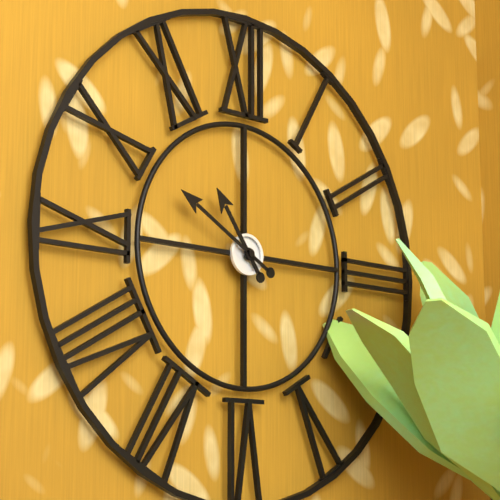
10:50
